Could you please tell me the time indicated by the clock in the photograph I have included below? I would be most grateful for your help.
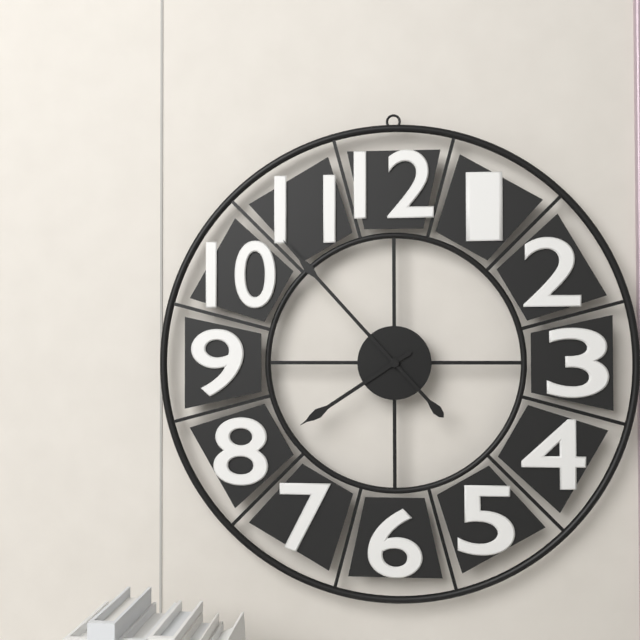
7:53
